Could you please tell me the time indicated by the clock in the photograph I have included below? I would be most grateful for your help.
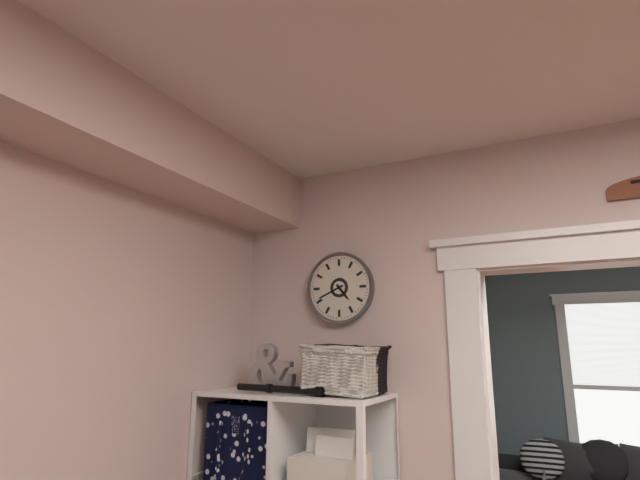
4:41
